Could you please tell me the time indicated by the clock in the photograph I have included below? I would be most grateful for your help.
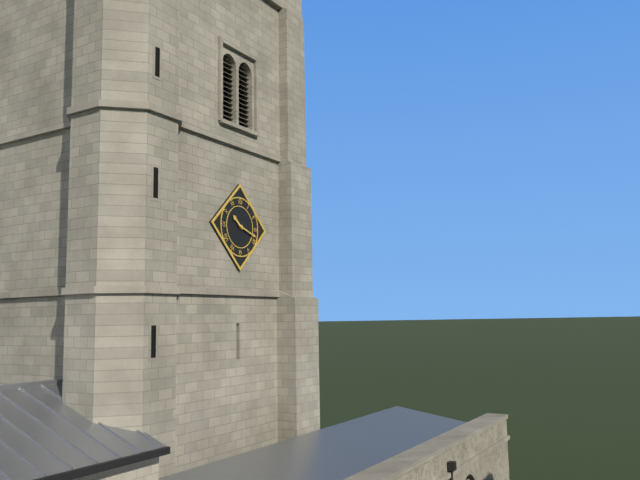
10:18
